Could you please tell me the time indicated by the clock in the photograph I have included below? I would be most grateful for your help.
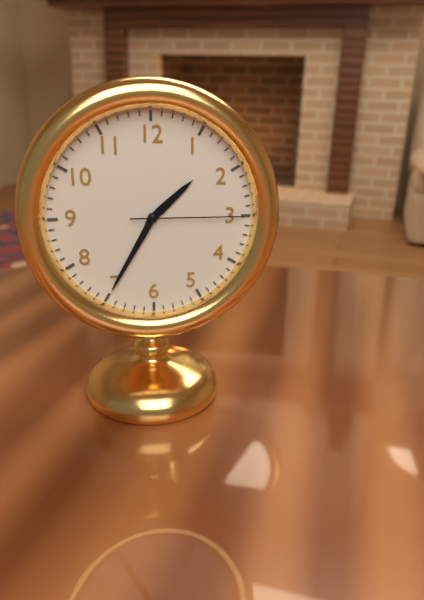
1:35:15
